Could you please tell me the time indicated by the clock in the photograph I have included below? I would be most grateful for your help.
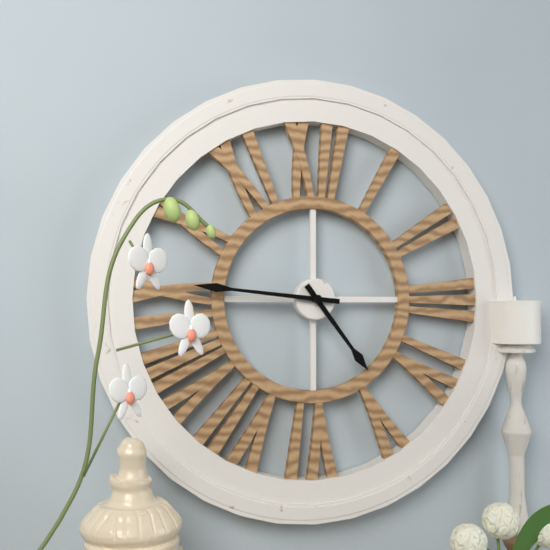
4:46
